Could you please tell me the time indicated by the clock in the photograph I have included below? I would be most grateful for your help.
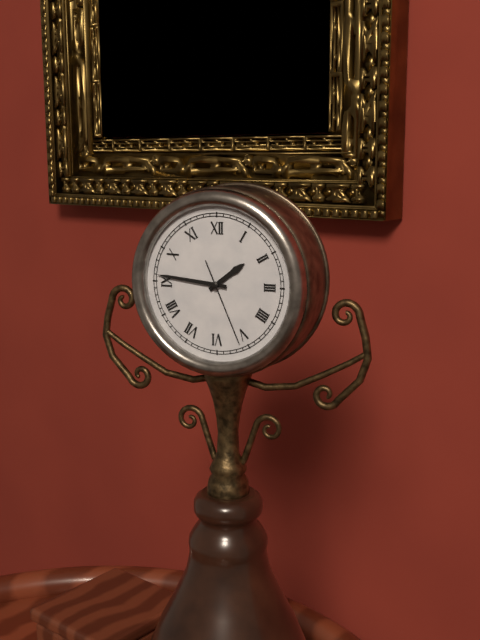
1:46:26
